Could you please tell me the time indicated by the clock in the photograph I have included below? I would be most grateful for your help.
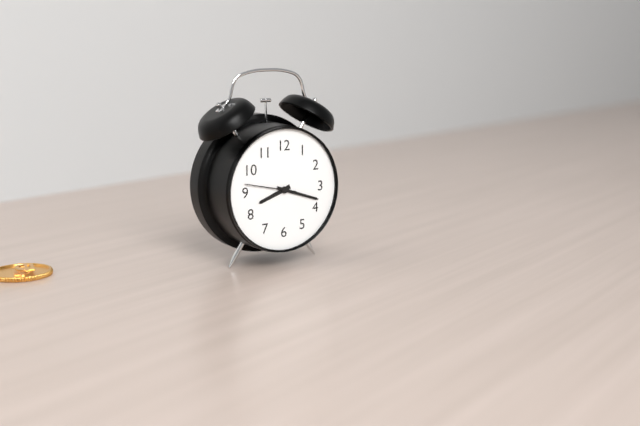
8:18:47
